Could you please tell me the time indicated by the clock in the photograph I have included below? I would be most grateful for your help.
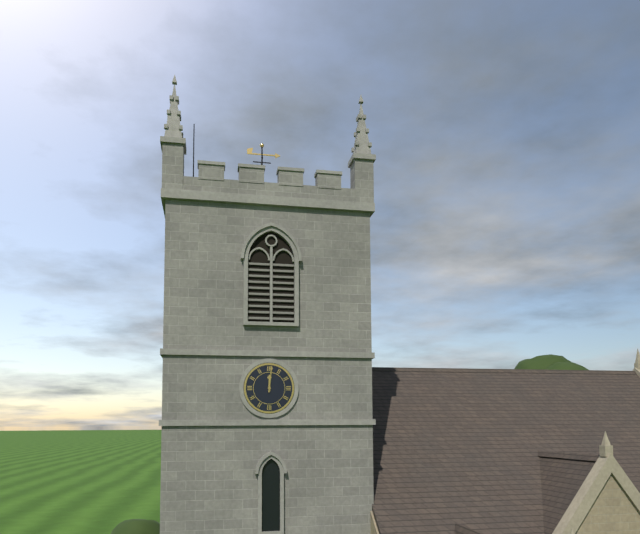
12:01
